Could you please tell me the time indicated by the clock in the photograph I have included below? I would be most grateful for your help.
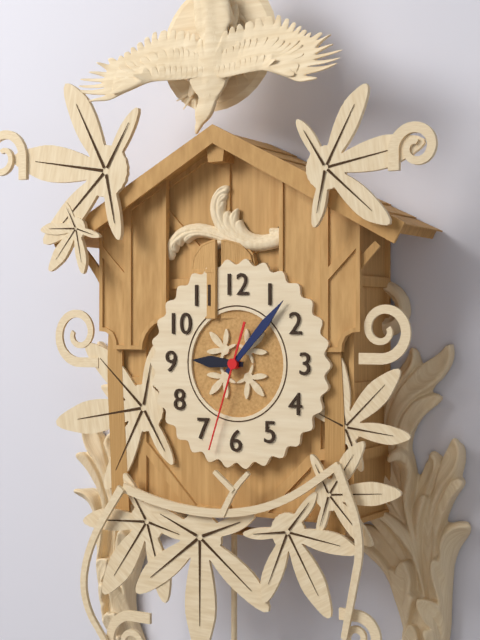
9:07:33
